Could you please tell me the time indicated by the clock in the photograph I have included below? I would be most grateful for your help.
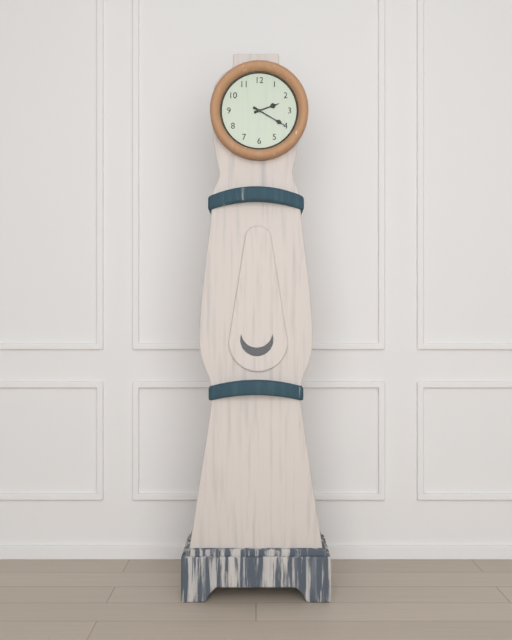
2:20
